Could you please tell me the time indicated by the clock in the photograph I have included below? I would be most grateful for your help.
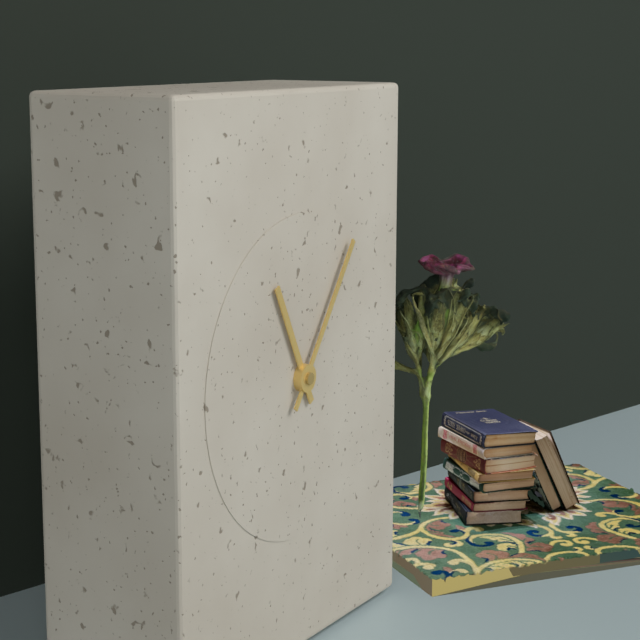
11:06
